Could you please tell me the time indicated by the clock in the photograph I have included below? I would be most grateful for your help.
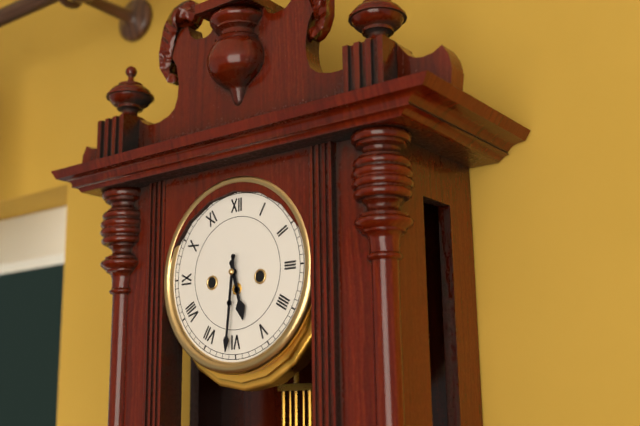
5:31
